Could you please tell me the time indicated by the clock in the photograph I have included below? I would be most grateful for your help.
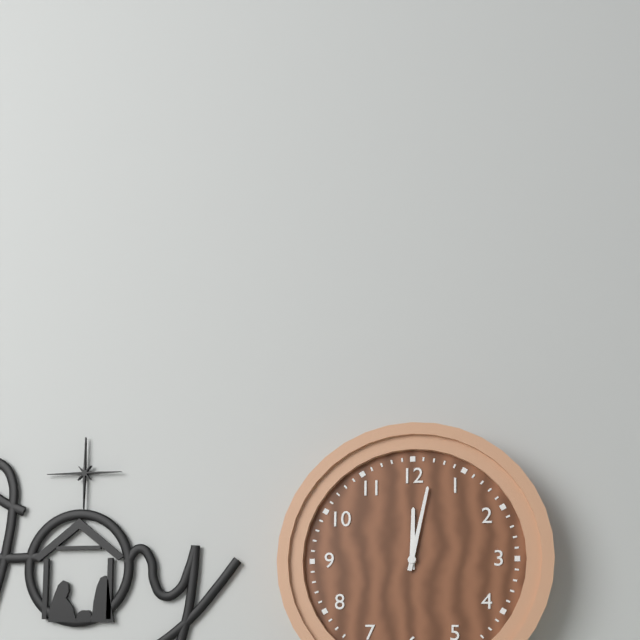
12:02
